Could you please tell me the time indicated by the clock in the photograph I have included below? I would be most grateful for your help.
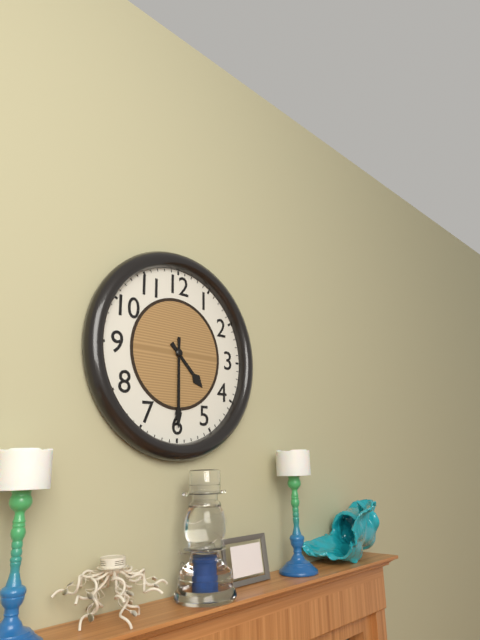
4:30
